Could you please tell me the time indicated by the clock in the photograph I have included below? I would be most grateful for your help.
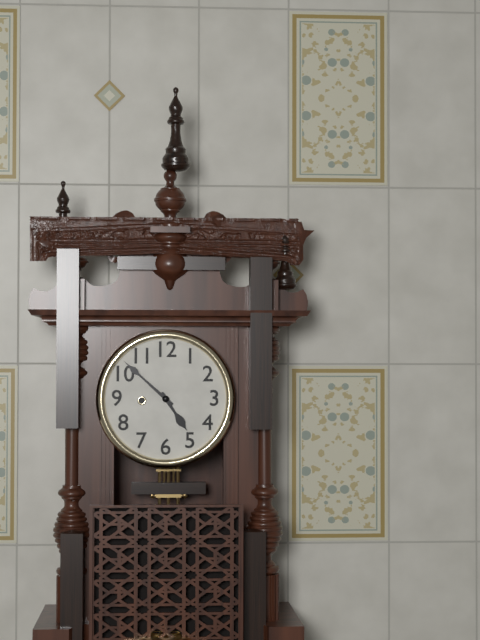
4:52
